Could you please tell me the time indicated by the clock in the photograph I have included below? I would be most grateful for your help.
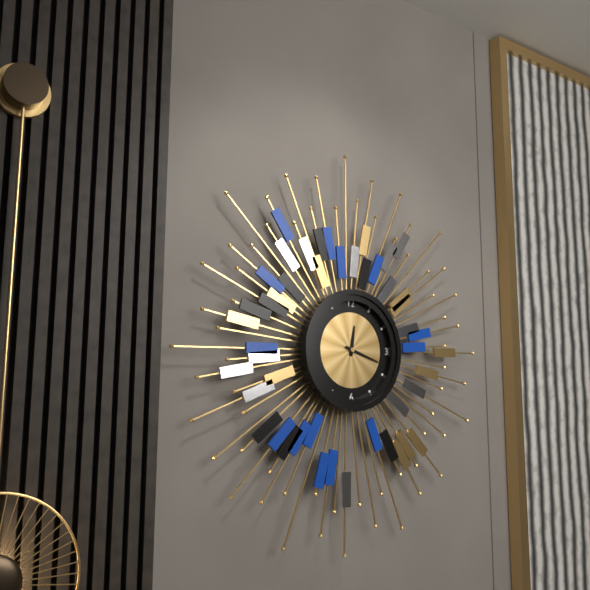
12:18
